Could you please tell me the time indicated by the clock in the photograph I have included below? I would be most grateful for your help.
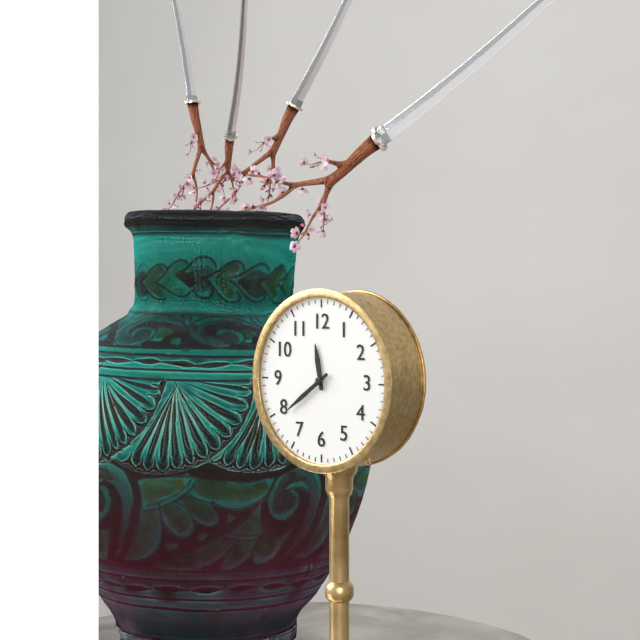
11:39
